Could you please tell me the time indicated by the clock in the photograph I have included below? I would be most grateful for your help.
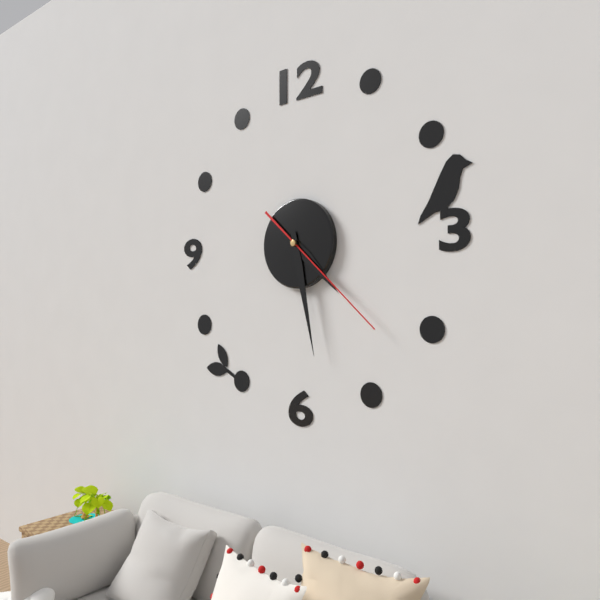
4:28:22
